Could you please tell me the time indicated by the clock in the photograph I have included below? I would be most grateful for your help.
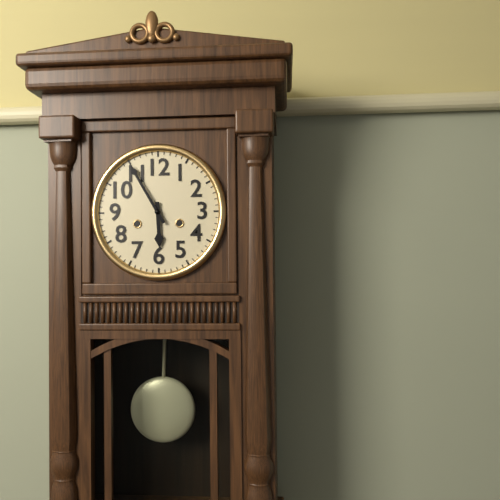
5:55
